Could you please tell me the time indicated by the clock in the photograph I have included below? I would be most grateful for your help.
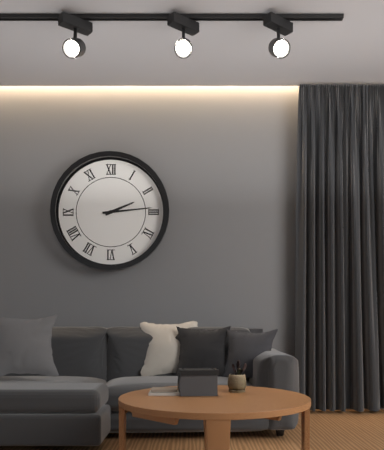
2:14
